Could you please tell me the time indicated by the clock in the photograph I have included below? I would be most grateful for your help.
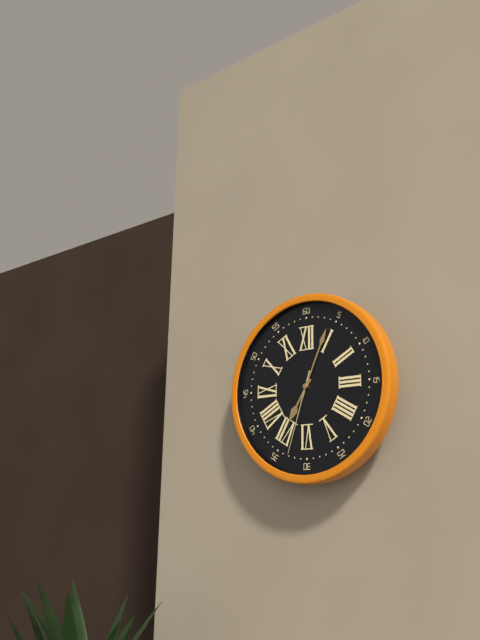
7:04:33
